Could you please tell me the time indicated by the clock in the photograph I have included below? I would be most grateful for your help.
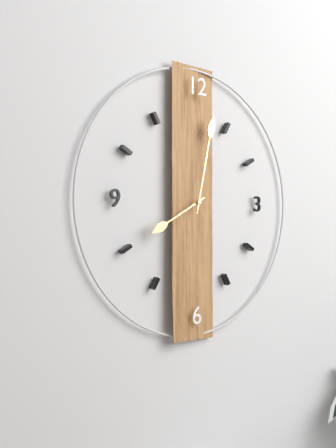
8:02
